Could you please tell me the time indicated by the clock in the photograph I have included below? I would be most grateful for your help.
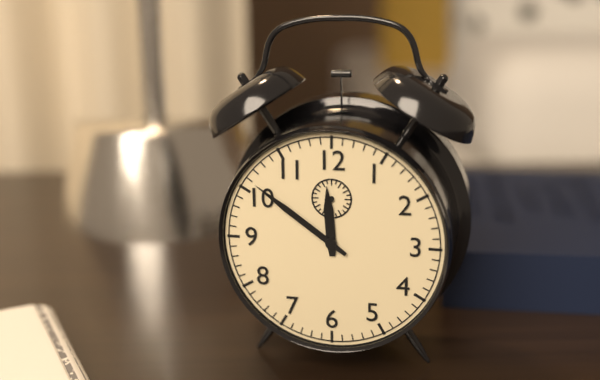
11:51
